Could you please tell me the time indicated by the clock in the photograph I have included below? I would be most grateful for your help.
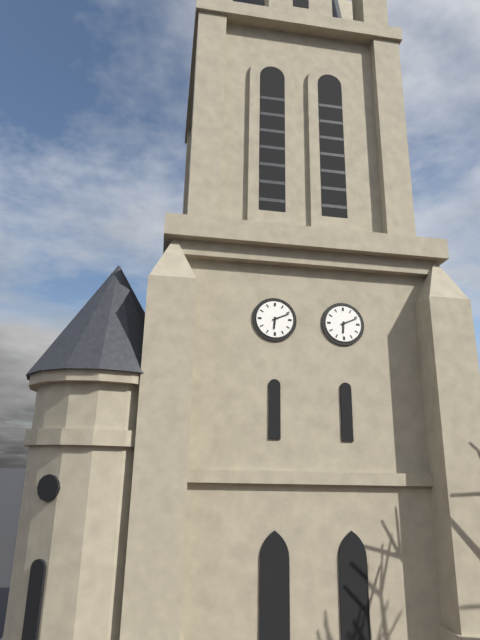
6:11
